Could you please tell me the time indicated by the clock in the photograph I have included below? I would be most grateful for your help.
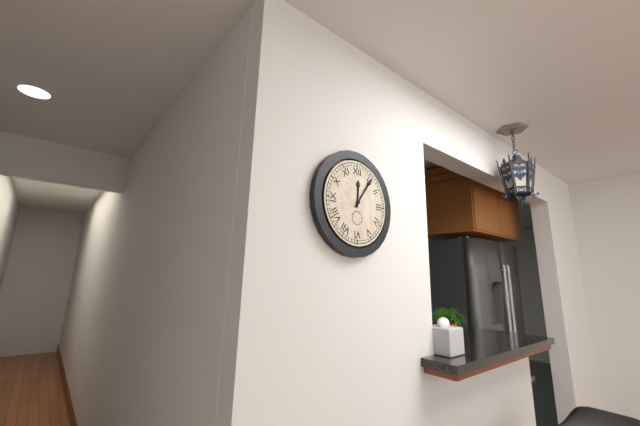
12:06
